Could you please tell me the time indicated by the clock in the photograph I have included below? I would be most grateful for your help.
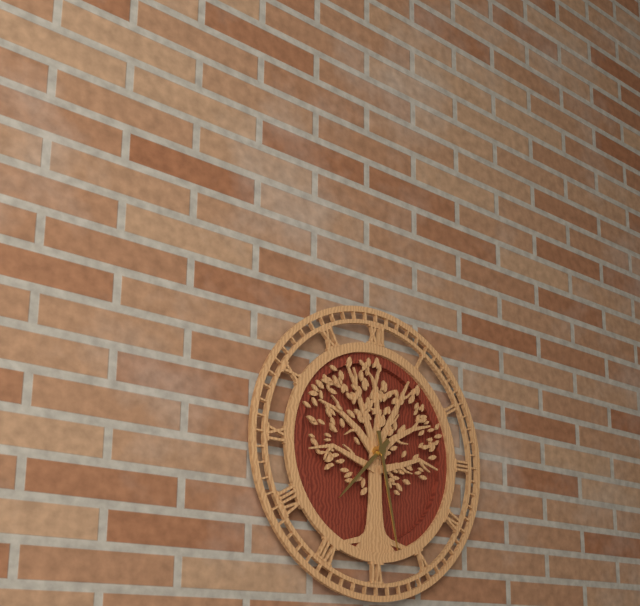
7:28
